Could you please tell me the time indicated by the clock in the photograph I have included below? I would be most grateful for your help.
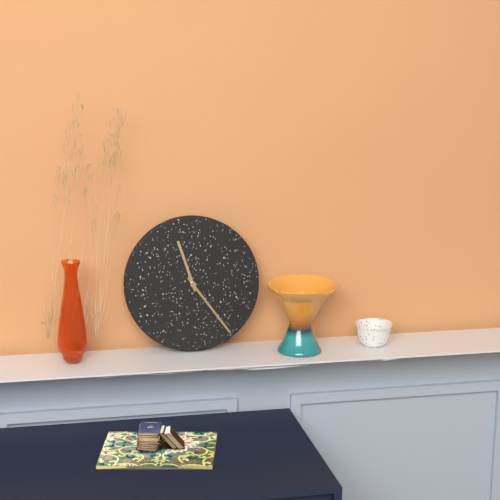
11:24
